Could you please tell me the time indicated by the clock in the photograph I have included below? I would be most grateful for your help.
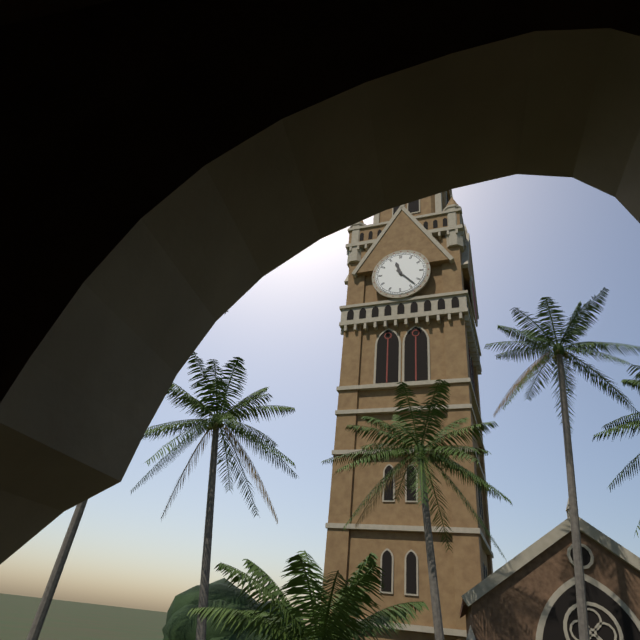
11:23
